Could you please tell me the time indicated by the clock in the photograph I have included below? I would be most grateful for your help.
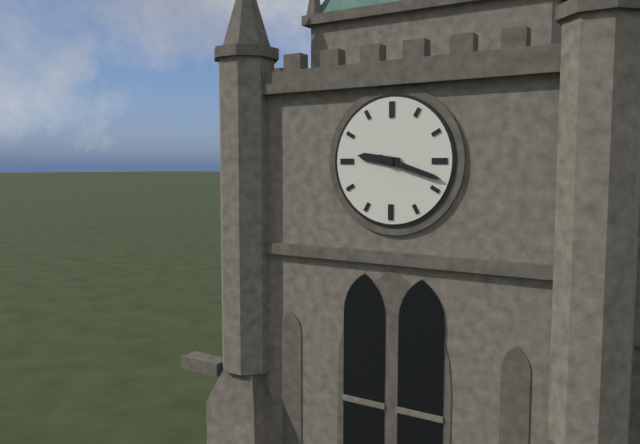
9:18
